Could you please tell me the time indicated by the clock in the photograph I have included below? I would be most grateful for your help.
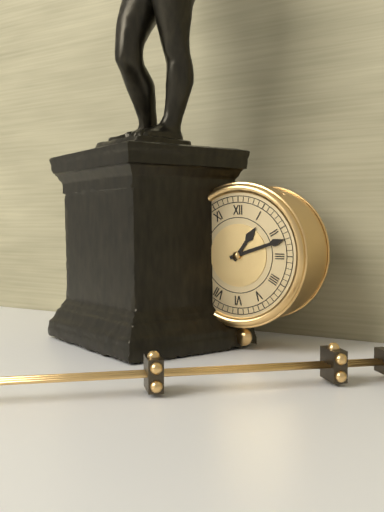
1:12
